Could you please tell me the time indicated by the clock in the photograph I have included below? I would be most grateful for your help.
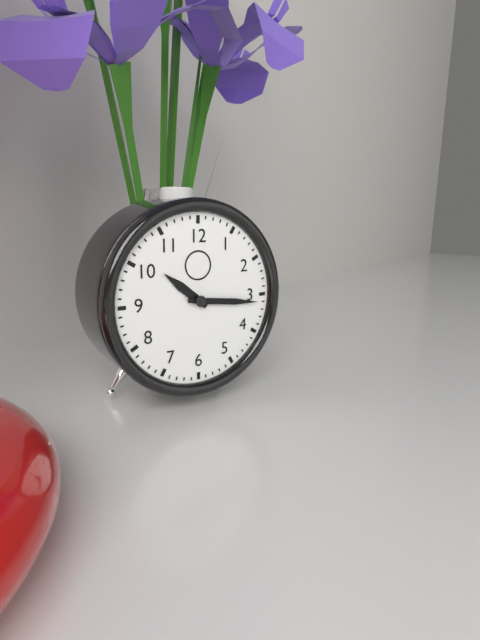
10:16
